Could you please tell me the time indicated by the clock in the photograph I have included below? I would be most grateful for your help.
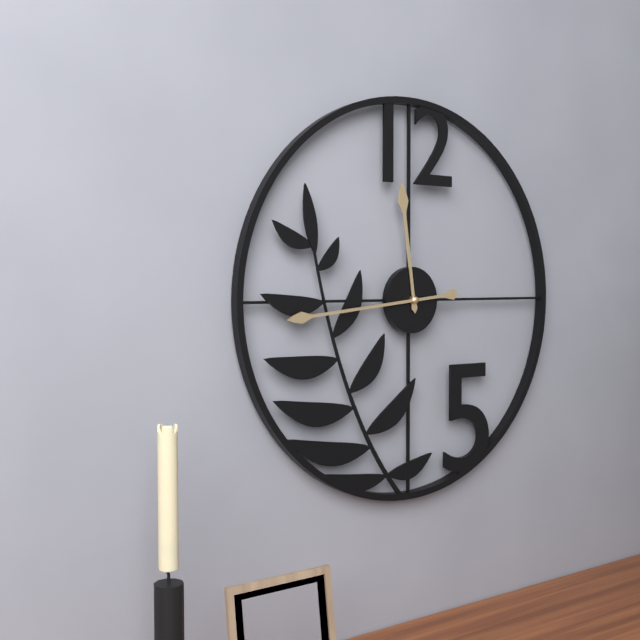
11:44
